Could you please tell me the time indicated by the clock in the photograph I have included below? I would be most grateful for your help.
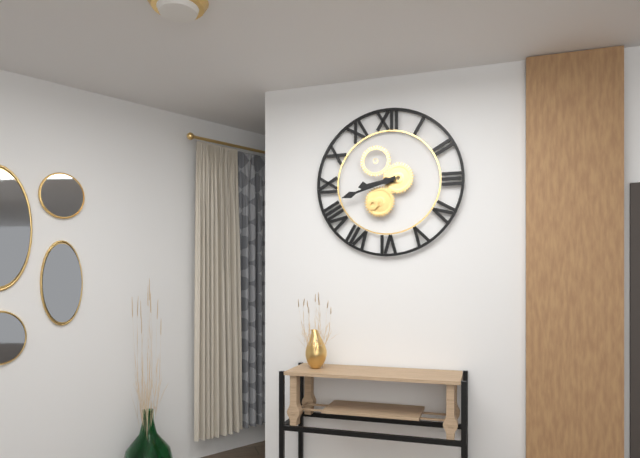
8:42
